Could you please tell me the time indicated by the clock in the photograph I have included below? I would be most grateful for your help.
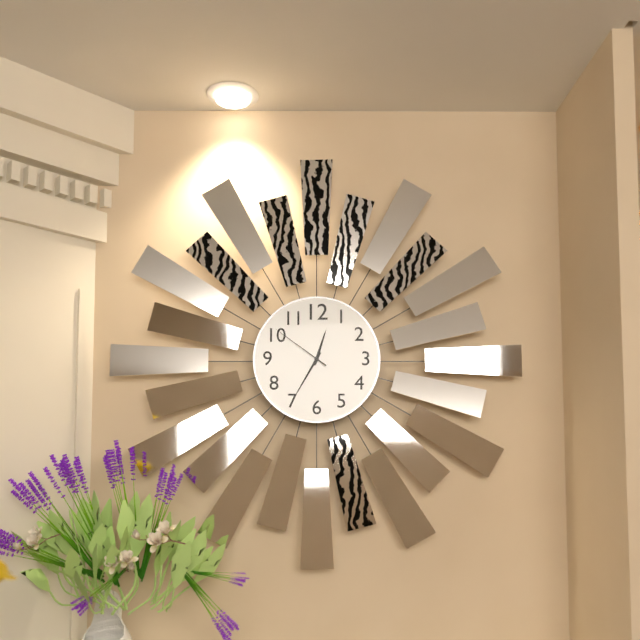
12:35:51
